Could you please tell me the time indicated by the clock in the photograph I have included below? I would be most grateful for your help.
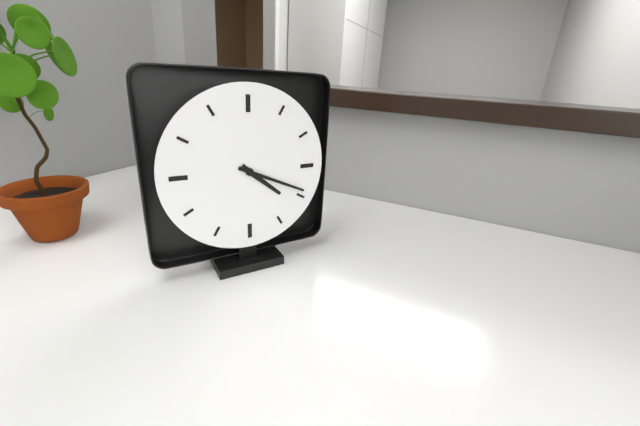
4:19
